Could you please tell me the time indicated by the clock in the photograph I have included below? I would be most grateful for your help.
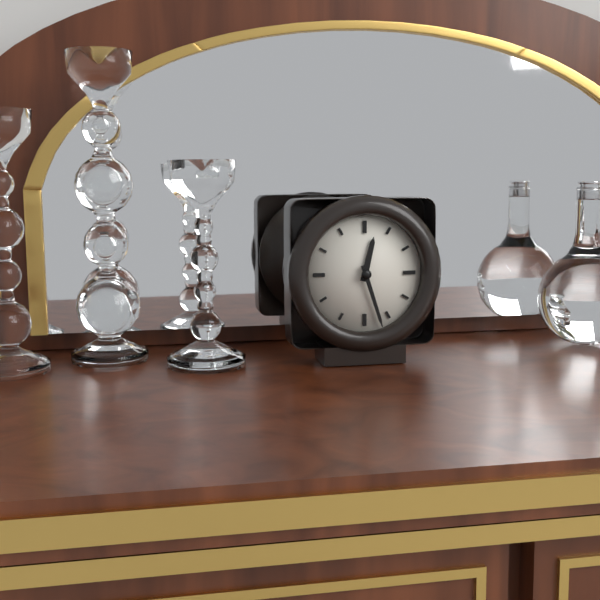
12:27
